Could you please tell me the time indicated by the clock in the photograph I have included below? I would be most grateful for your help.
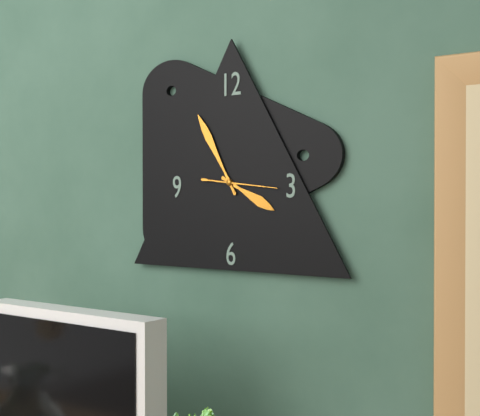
3:55:16
